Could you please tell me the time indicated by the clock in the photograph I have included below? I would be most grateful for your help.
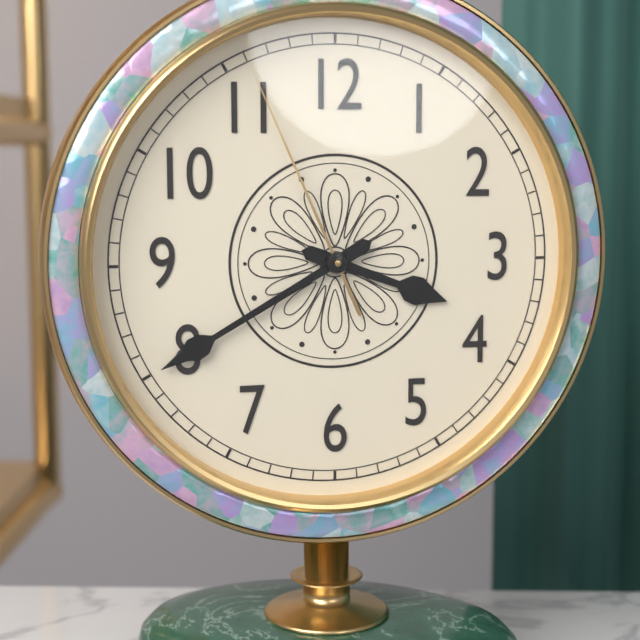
3:40:56
